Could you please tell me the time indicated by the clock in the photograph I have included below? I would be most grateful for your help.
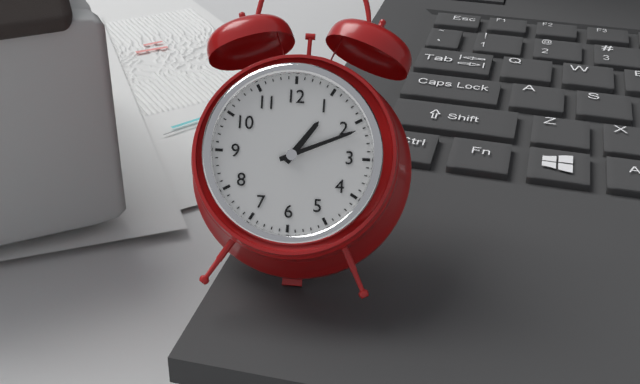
1:11
